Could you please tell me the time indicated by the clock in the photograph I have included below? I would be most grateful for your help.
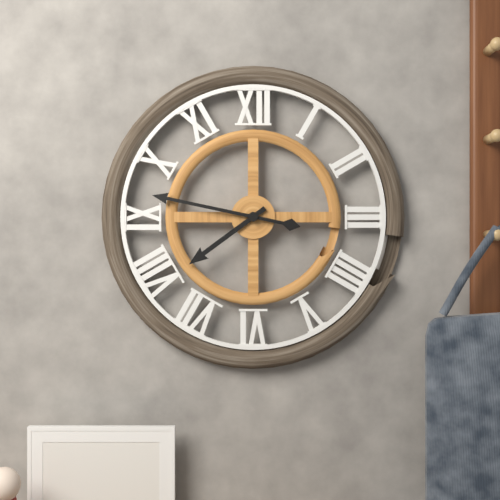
7:47
